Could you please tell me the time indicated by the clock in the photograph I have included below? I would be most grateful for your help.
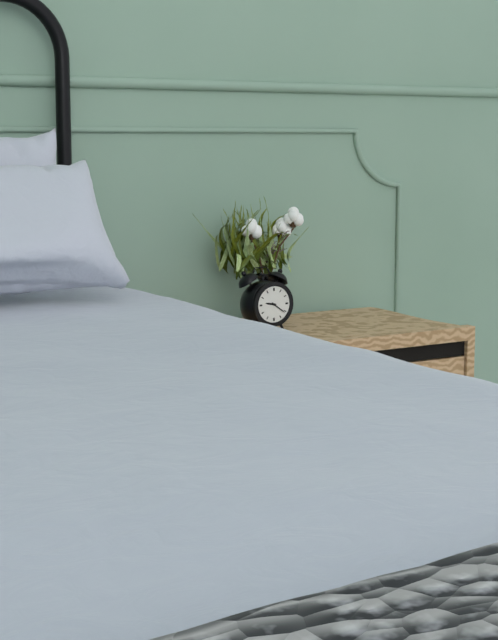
9:21
